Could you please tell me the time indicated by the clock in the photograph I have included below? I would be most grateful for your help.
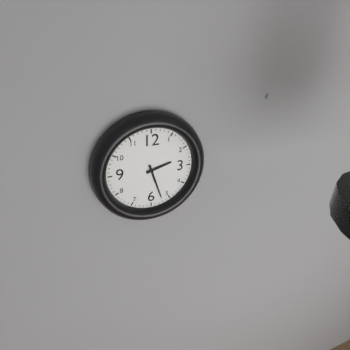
2:27
